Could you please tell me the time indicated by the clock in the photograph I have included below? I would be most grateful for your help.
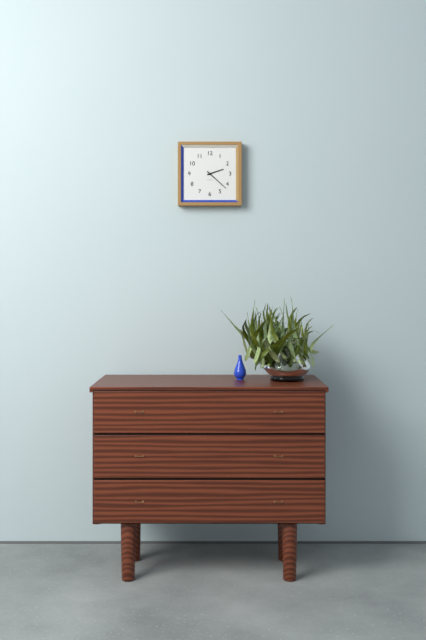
2:22
